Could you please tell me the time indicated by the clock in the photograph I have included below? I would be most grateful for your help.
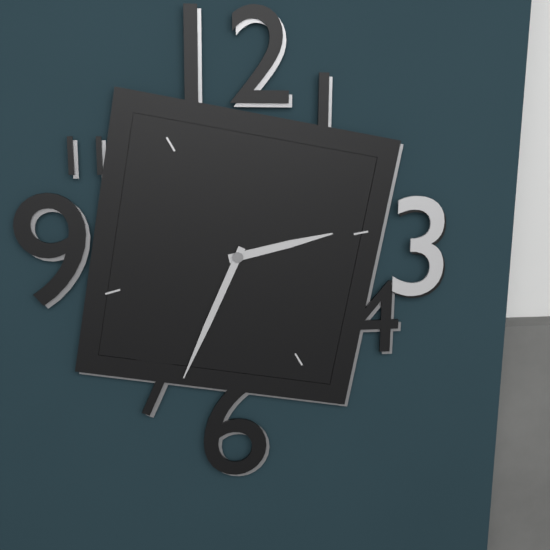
2:34
